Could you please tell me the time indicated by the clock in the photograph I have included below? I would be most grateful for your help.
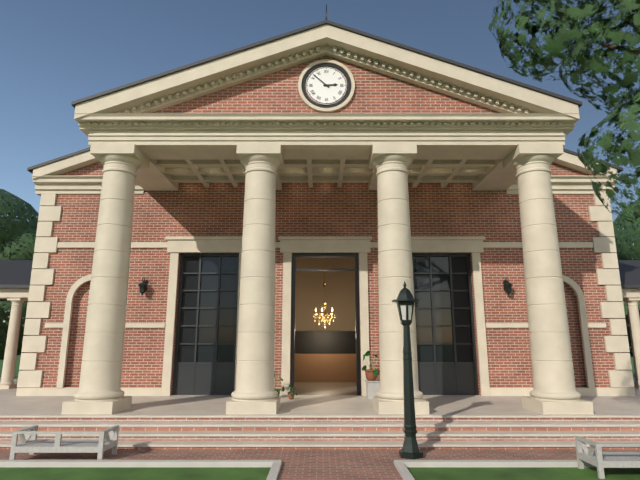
2:52
